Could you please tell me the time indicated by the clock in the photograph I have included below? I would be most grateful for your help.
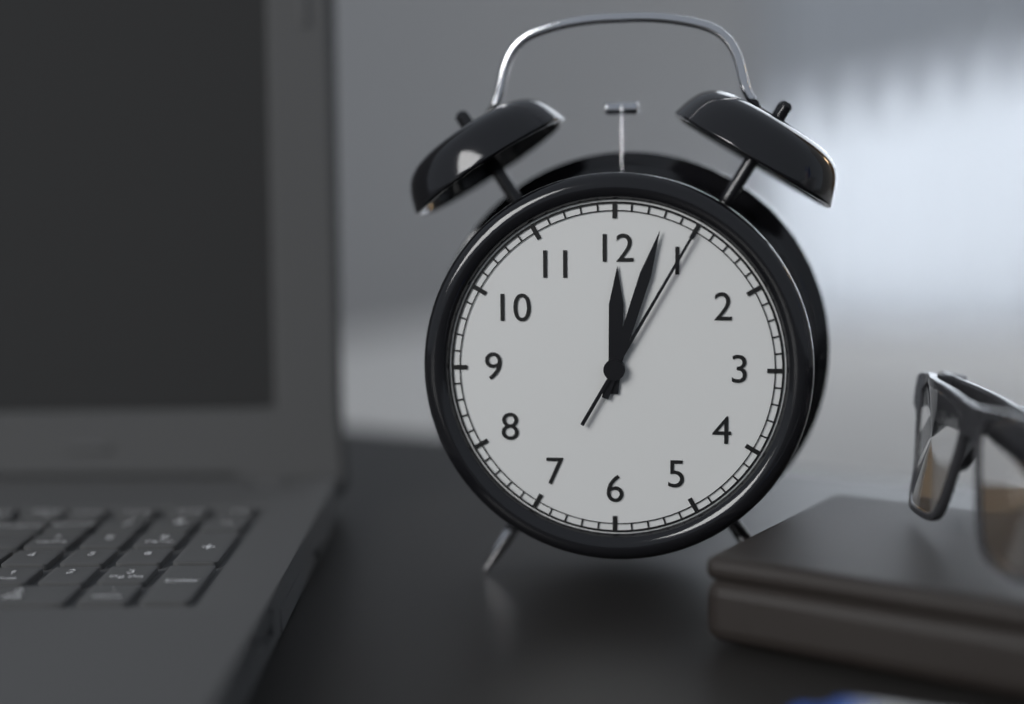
12:03:05
